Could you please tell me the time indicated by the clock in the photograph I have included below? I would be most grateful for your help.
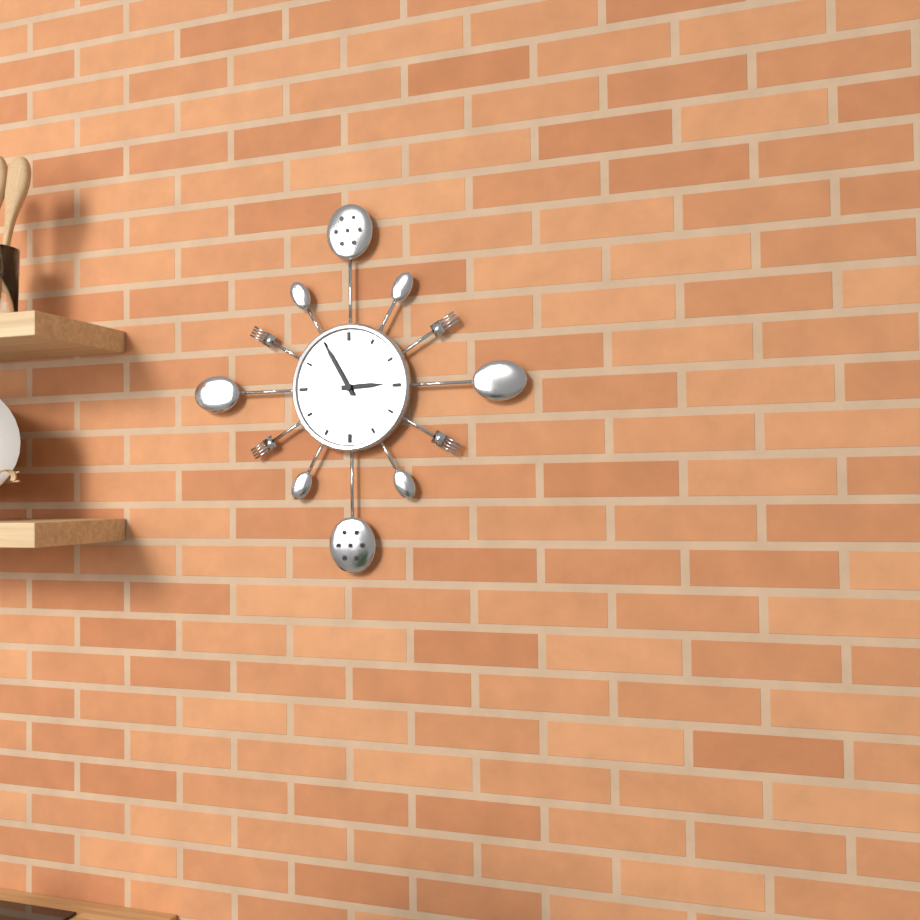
2:55
